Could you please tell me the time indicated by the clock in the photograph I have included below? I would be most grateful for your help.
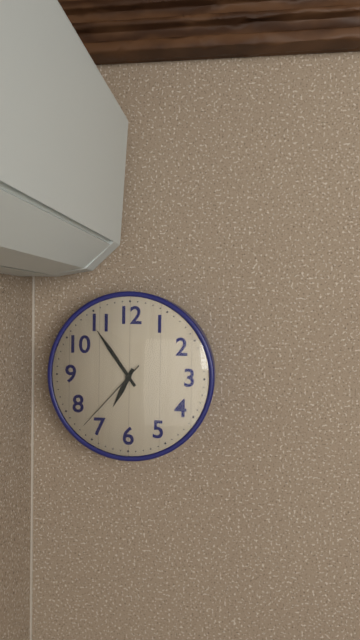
6:54:37
